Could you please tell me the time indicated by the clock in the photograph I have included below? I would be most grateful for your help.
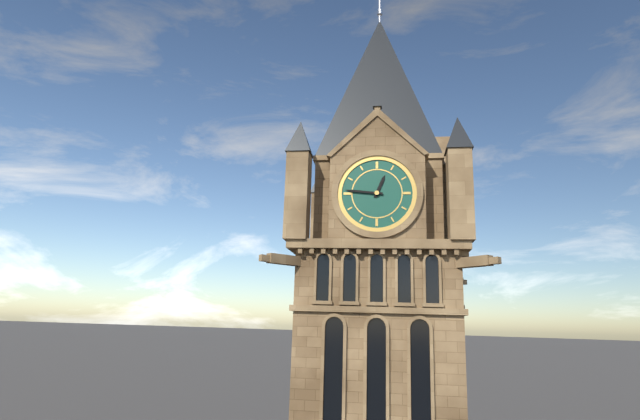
12:46
